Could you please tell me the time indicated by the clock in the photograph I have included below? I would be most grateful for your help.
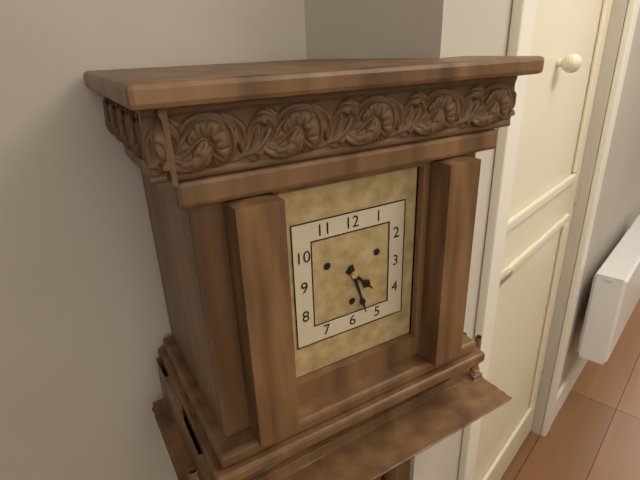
4:27
